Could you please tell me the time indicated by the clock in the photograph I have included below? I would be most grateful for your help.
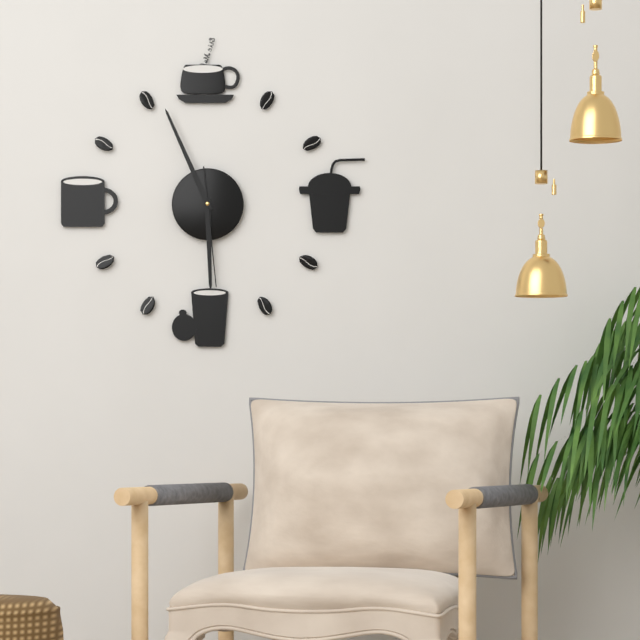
5:56:29
